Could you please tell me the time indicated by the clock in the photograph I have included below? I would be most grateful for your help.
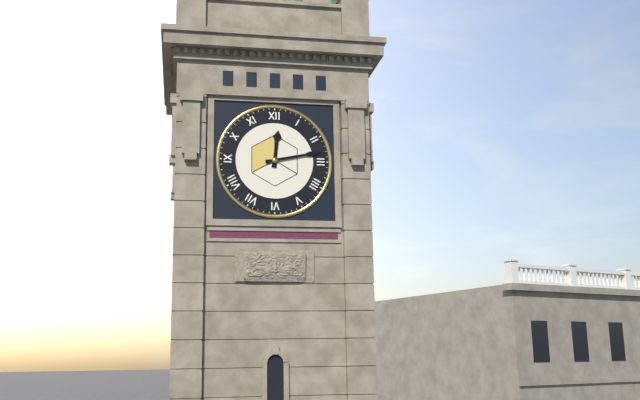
12:13
